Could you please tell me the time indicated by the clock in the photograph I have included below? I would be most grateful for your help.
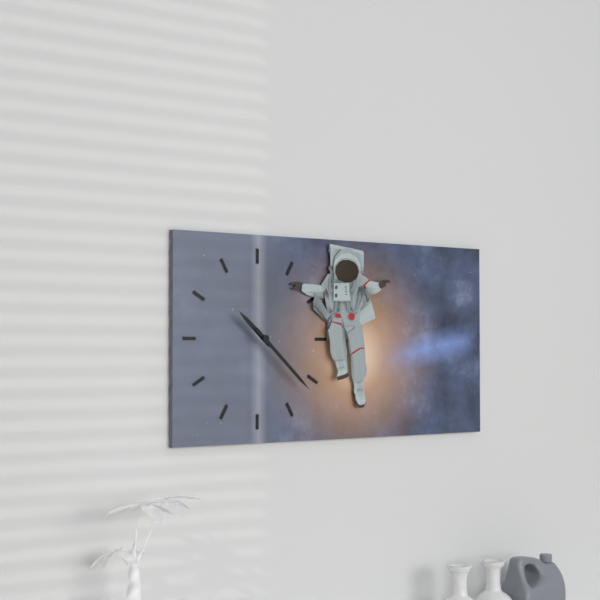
10:22
